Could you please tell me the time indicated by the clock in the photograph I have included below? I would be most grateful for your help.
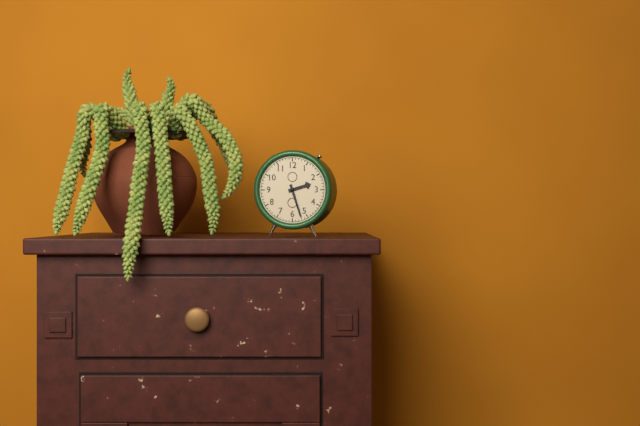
2:27
